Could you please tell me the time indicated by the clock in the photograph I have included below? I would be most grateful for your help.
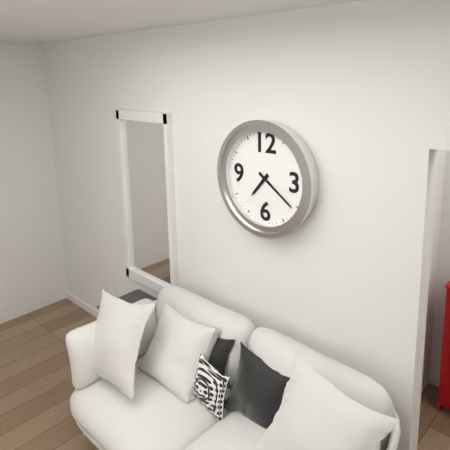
7:21
